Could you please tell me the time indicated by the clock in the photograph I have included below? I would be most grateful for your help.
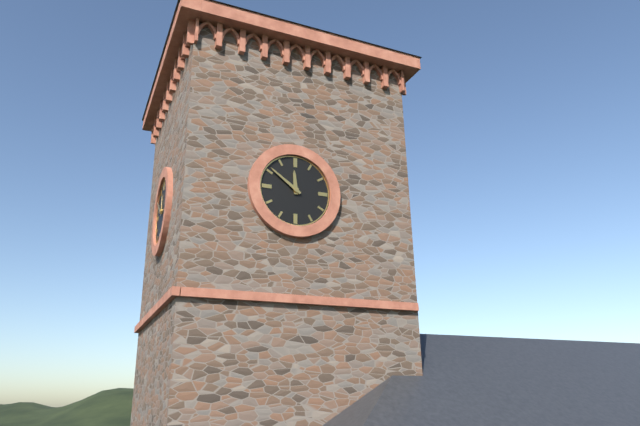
11:51
